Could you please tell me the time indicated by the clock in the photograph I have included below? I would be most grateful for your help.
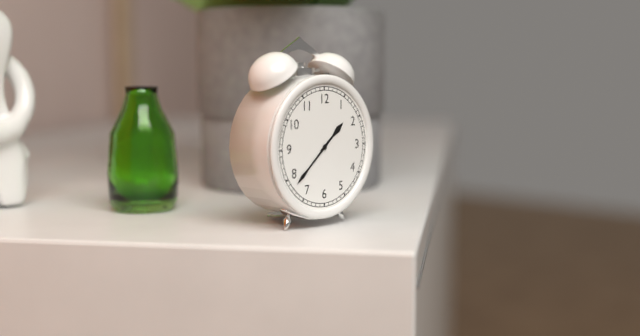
1:38
